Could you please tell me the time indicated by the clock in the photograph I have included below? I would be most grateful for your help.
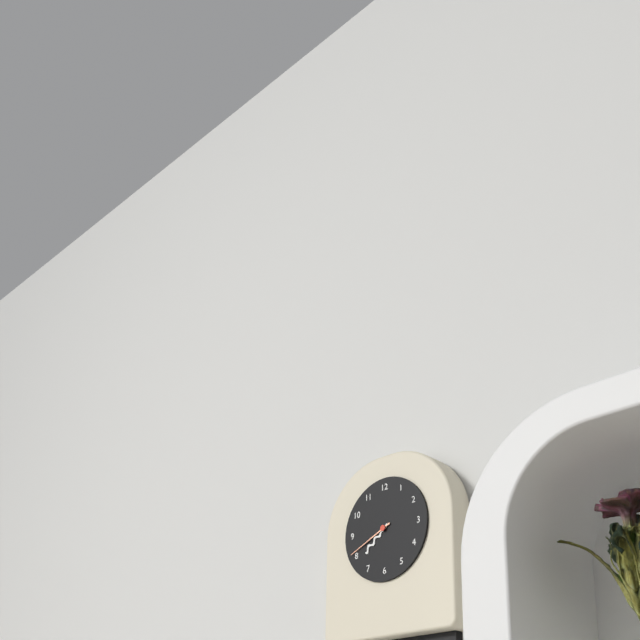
7:41
